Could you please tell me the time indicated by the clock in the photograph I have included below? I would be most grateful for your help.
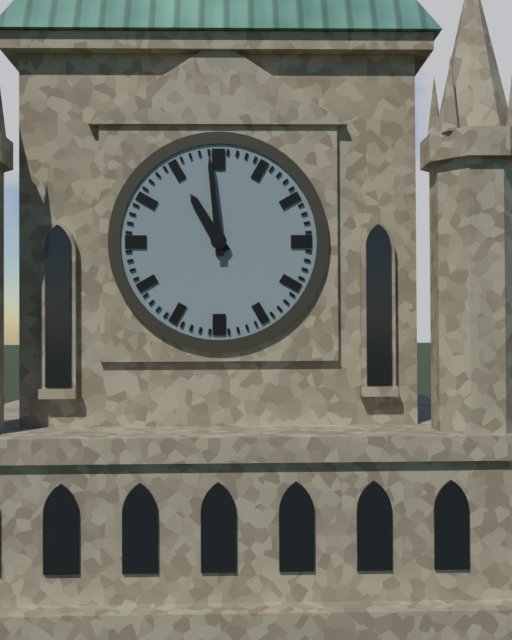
10:59
